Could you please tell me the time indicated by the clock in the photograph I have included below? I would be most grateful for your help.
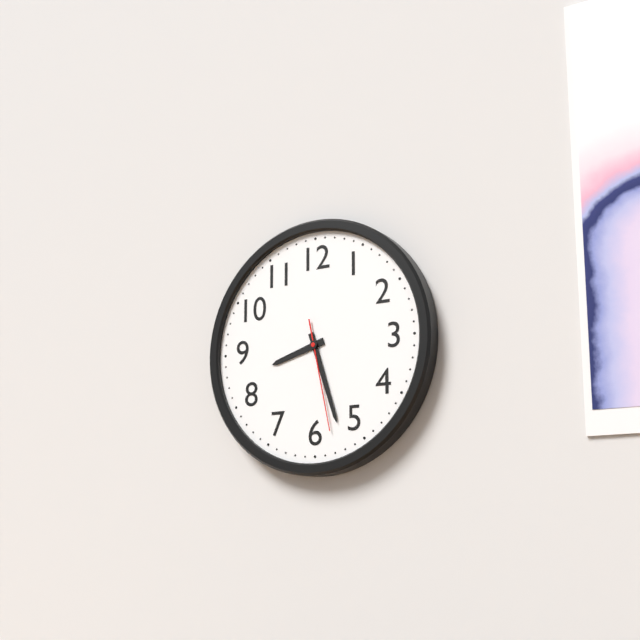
8:27:28
